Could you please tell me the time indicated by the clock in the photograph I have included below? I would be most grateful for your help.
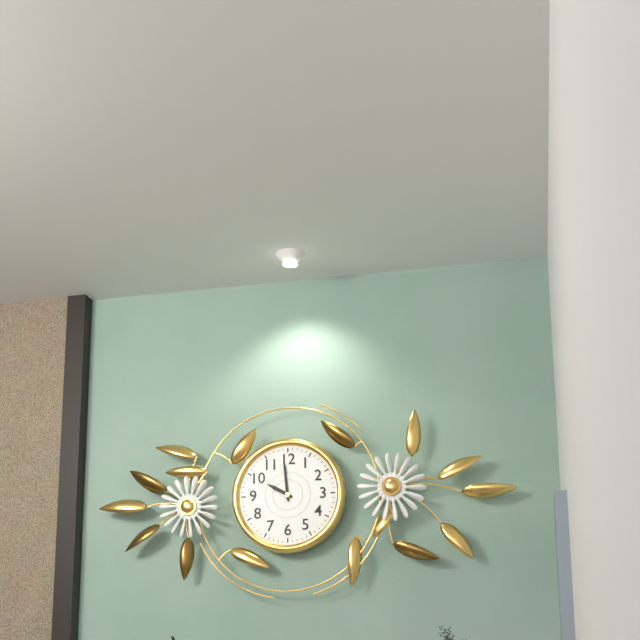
9:59
